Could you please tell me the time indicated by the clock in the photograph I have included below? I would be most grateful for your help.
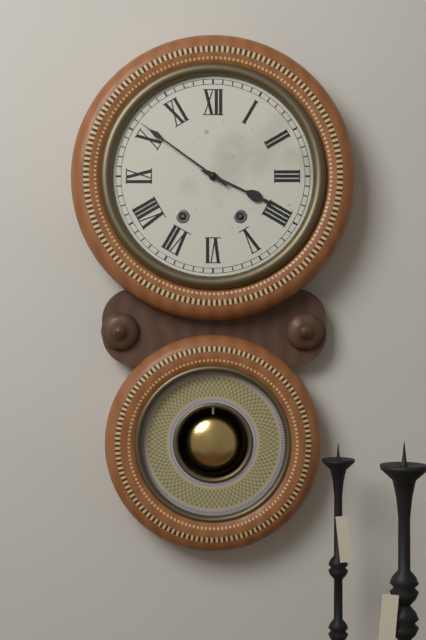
3:51
